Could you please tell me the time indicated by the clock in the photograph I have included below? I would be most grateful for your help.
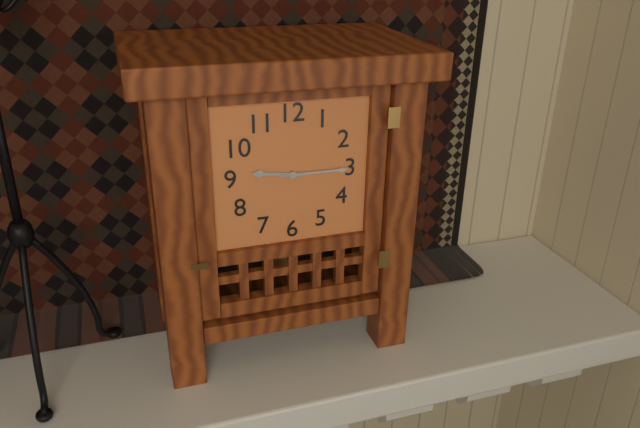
9:15
